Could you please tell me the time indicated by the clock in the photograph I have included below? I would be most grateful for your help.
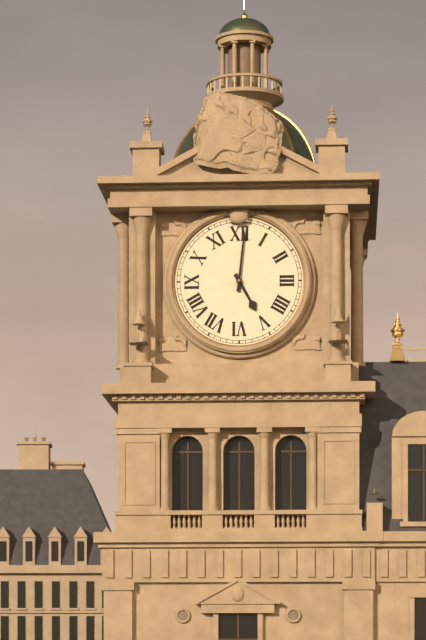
5:01
